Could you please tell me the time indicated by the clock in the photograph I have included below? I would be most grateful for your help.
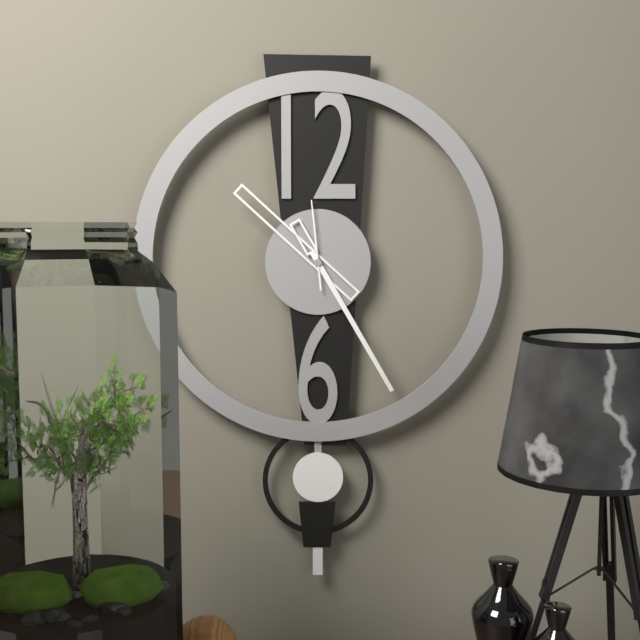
10:25:59
